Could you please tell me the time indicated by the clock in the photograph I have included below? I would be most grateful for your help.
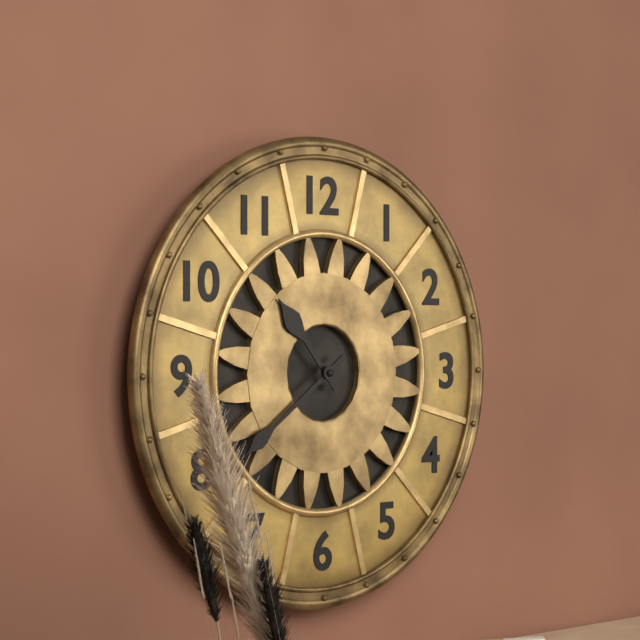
10:39
